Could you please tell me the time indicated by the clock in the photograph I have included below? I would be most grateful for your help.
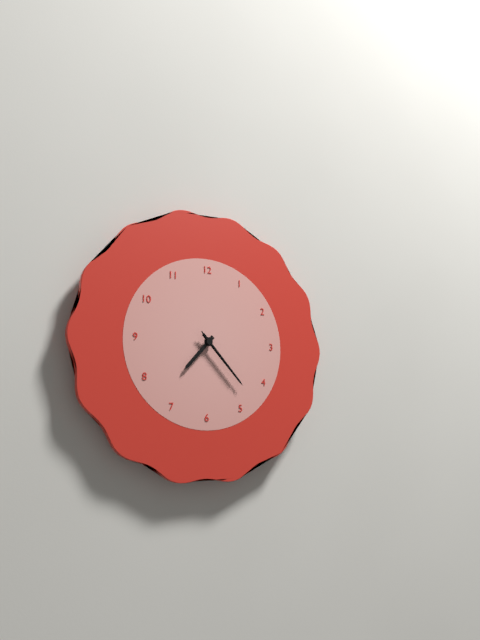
7:23:23
